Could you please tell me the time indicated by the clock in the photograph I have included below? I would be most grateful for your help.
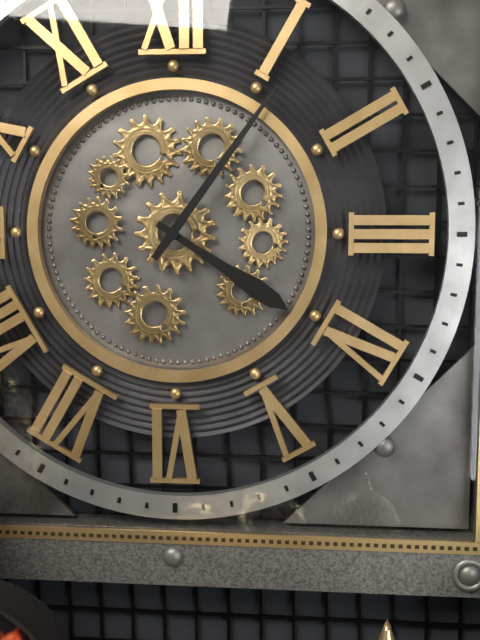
4:06
